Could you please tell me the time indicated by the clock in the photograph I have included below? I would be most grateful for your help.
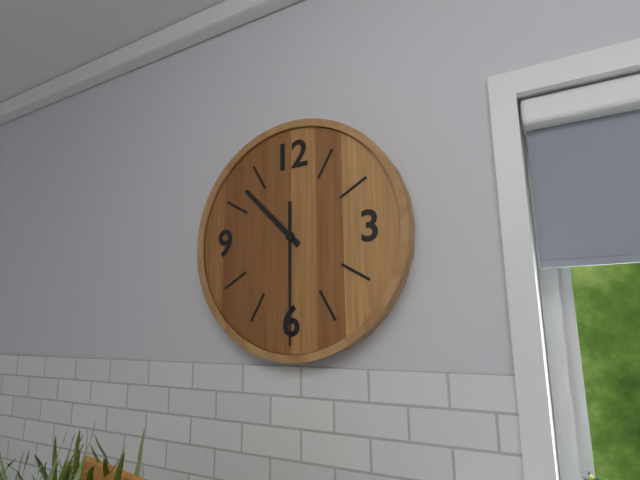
10:30
